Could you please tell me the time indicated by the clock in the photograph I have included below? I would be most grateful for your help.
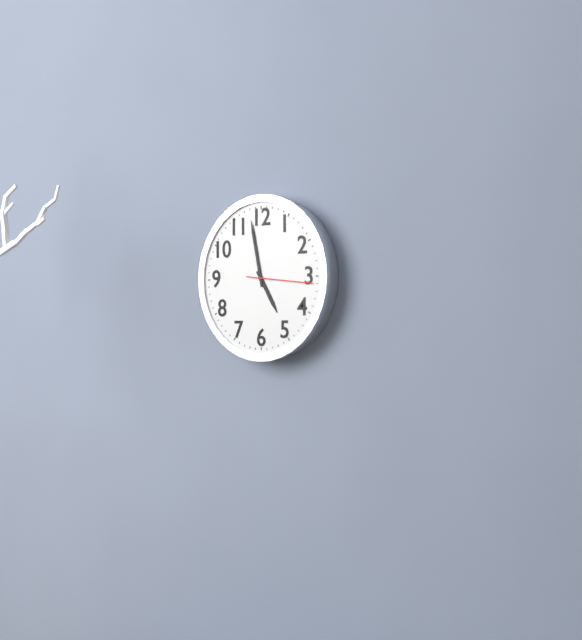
4:58:16
